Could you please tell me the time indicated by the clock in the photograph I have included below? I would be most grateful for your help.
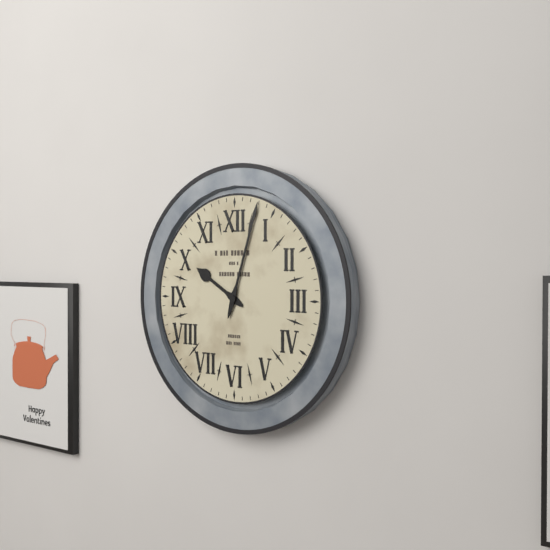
10:03
